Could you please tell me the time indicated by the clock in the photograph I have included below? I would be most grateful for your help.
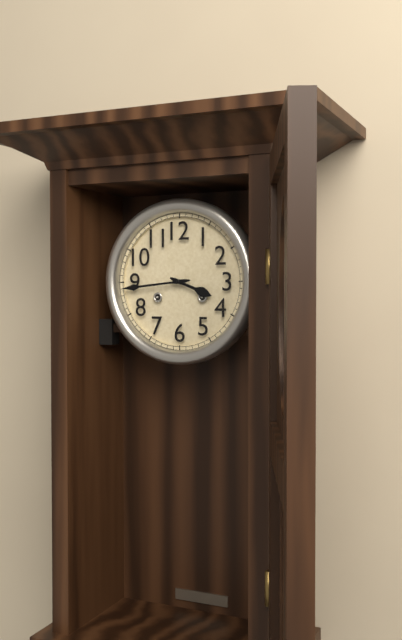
3:44
